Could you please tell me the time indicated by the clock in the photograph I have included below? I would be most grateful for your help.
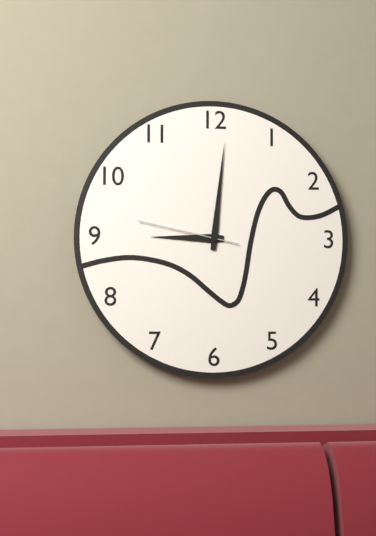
9:01:47
